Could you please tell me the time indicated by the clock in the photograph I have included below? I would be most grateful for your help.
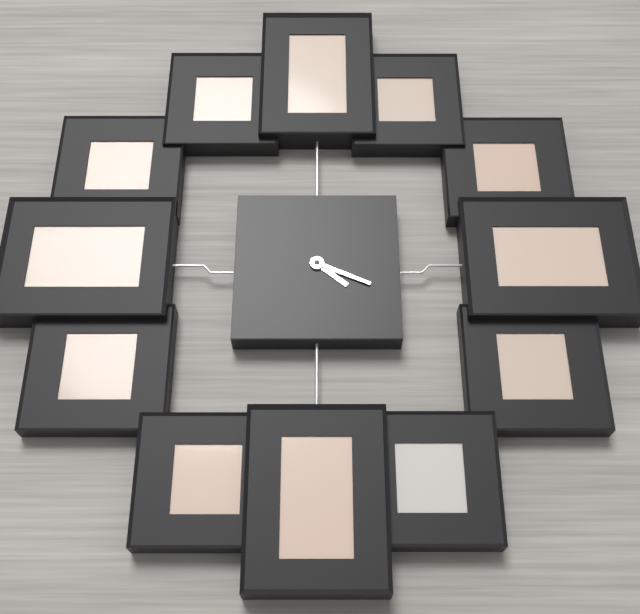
4:19
